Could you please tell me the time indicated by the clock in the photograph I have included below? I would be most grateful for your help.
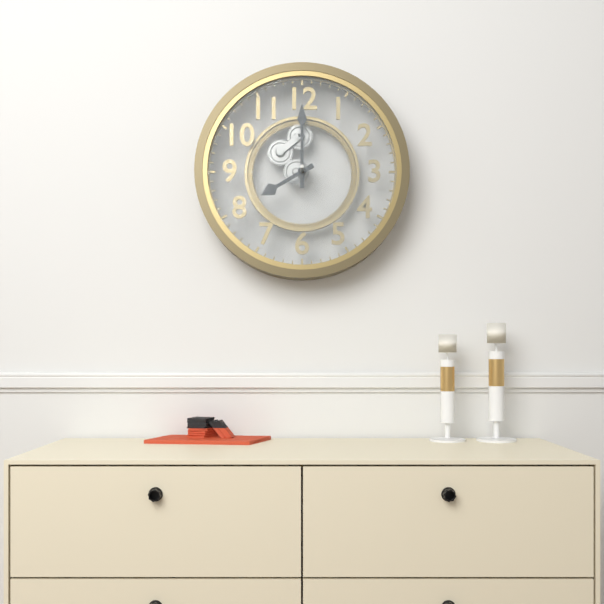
8:00
